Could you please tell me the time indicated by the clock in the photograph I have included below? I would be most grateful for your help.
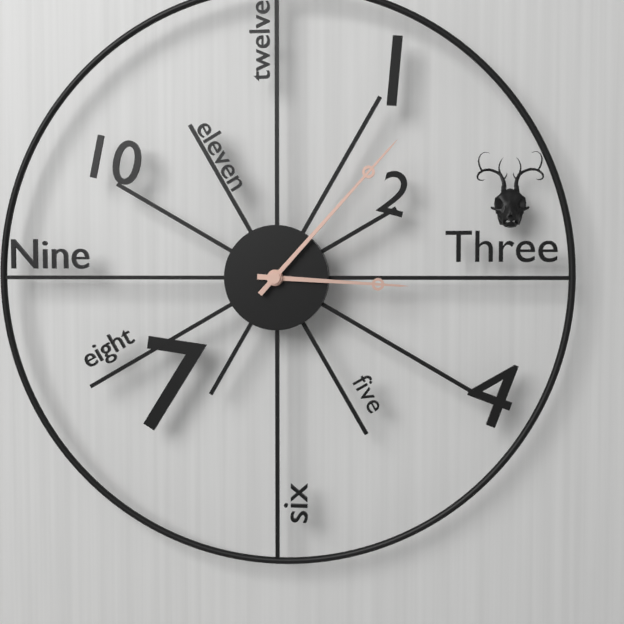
3:07
